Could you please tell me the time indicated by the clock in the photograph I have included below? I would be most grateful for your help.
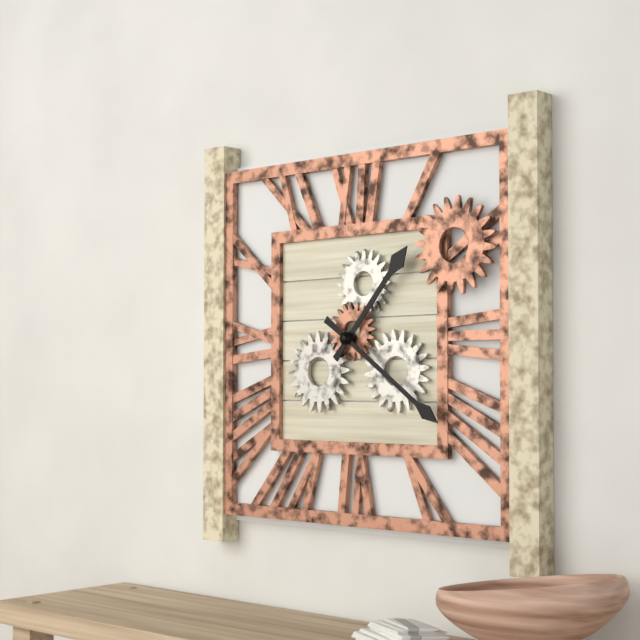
1:21
